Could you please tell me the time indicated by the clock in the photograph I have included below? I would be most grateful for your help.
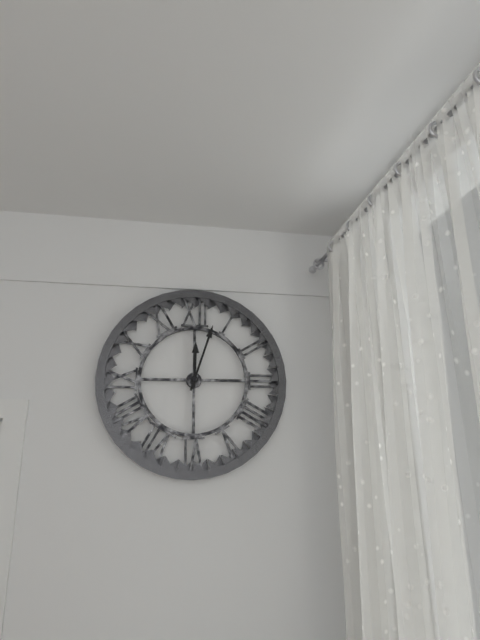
12:03
